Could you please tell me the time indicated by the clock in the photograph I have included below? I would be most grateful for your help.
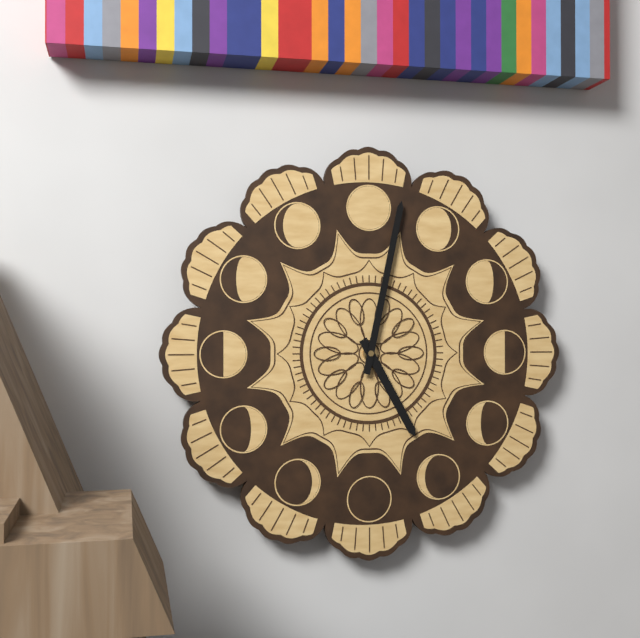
5:02
